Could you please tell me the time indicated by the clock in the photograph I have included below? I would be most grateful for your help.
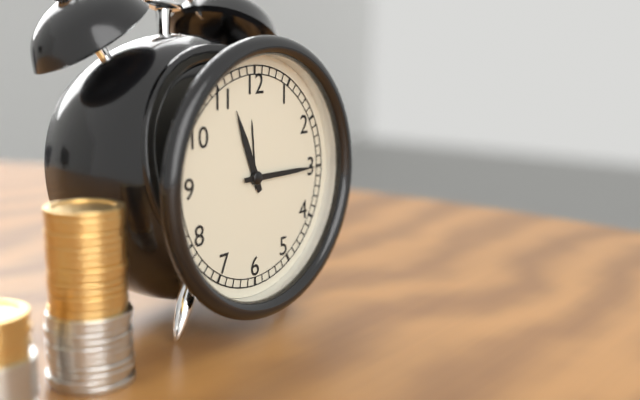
11:15
